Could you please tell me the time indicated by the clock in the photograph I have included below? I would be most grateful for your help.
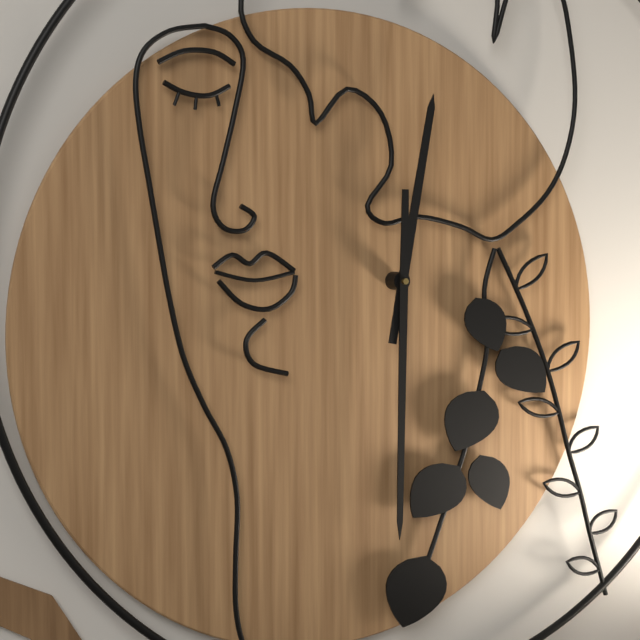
12:31
